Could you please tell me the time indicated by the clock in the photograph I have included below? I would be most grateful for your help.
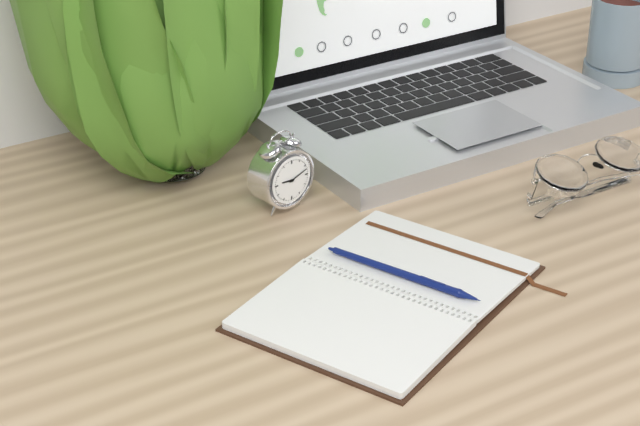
9:12
